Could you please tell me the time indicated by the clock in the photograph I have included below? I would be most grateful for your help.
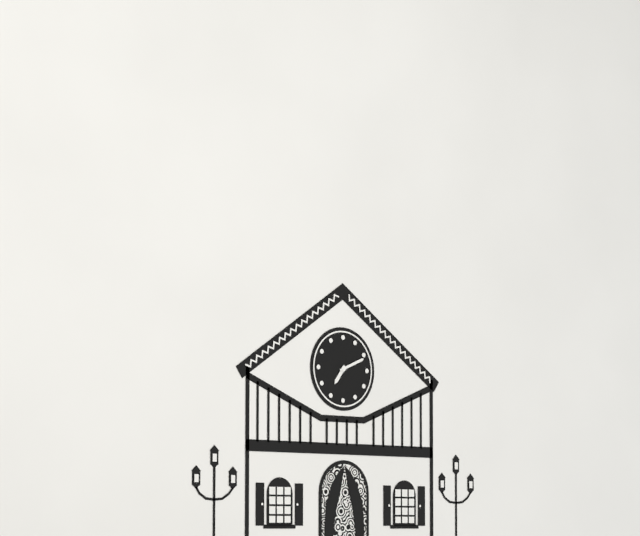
7:11
